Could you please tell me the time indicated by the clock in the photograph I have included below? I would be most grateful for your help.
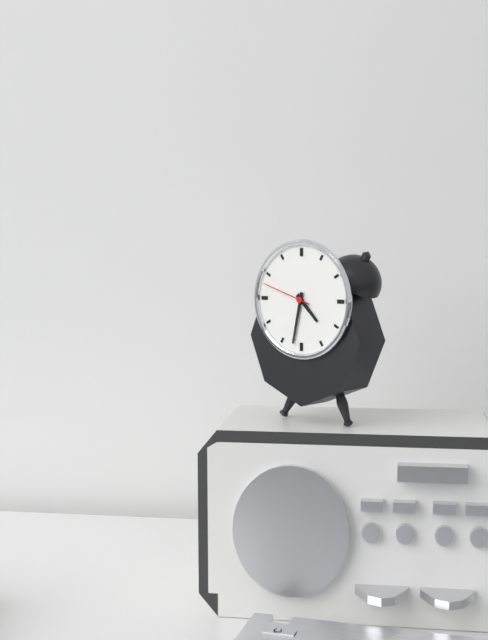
4:32:48
